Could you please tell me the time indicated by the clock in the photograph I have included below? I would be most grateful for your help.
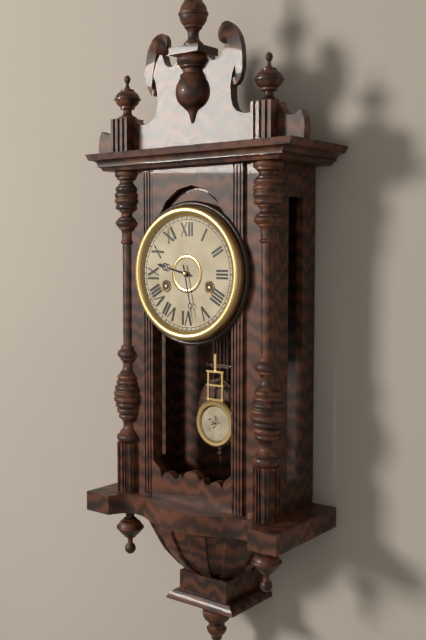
9:28
